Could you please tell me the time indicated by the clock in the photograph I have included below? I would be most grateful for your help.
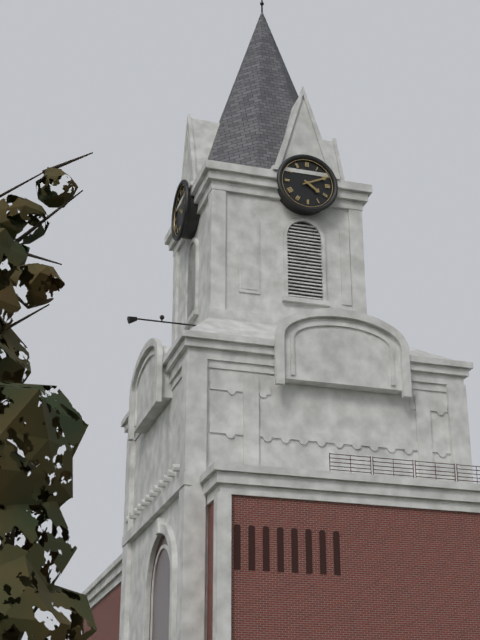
4:11
